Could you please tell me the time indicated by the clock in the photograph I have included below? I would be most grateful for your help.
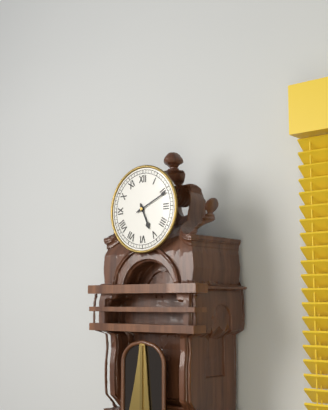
5:11
